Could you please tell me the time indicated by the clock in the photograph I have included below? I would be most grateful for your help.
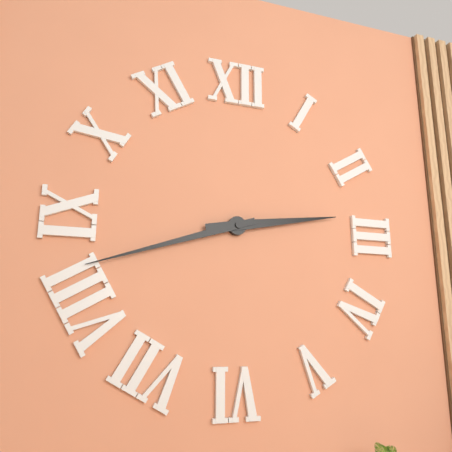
2:42
